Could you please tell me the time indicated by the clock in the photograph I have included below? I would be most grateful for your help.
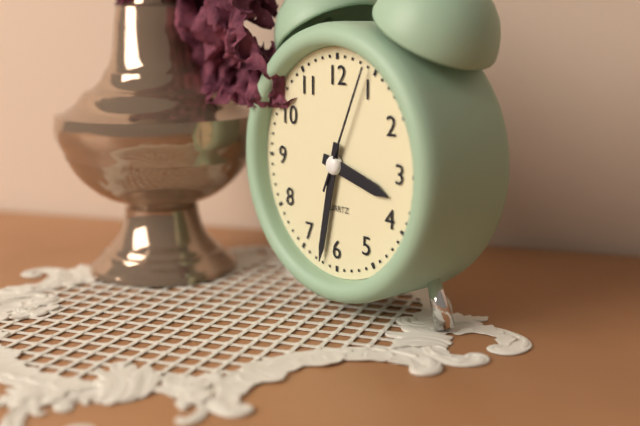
3:32:04
